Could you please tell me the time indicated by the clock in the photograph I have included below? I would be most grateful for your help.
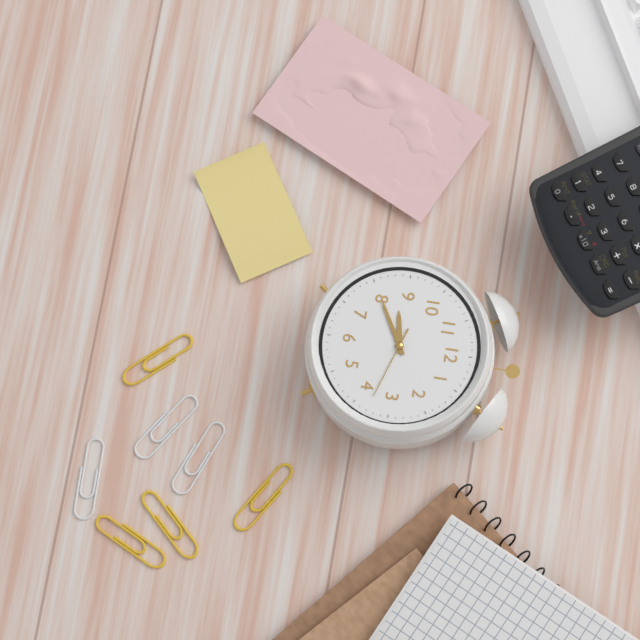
8:40:18
